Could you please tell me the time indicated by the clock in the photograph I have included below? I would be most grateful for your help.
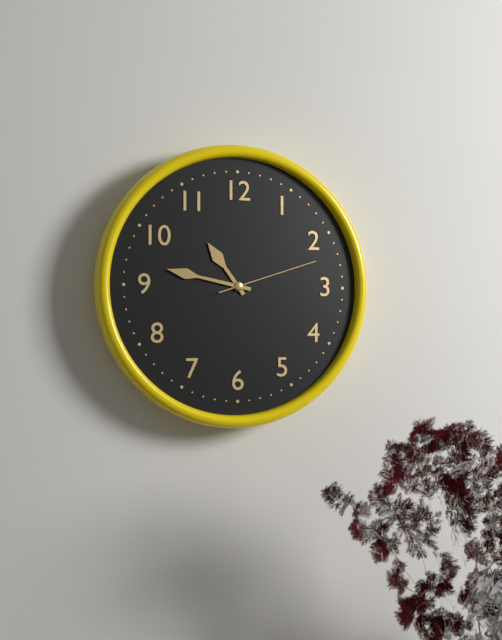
10:47:12
